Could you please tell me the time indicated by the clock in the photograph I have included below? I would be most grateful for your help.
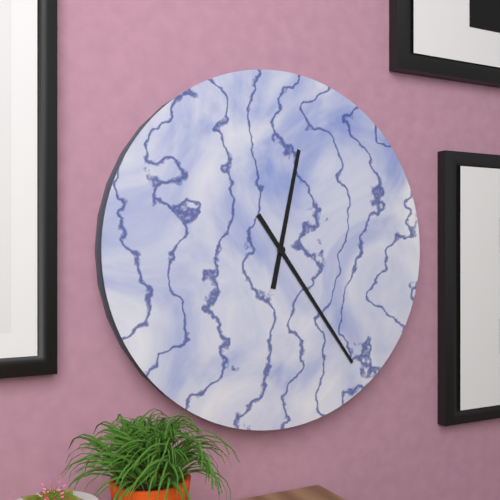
12:24
